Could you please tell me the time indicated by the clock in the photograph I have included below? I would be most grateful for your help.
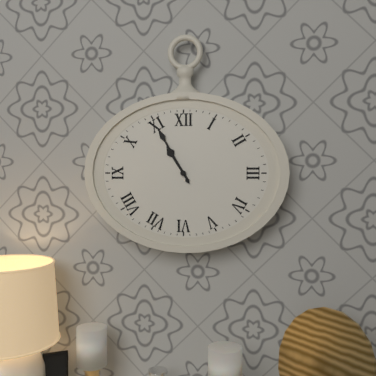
10:55
